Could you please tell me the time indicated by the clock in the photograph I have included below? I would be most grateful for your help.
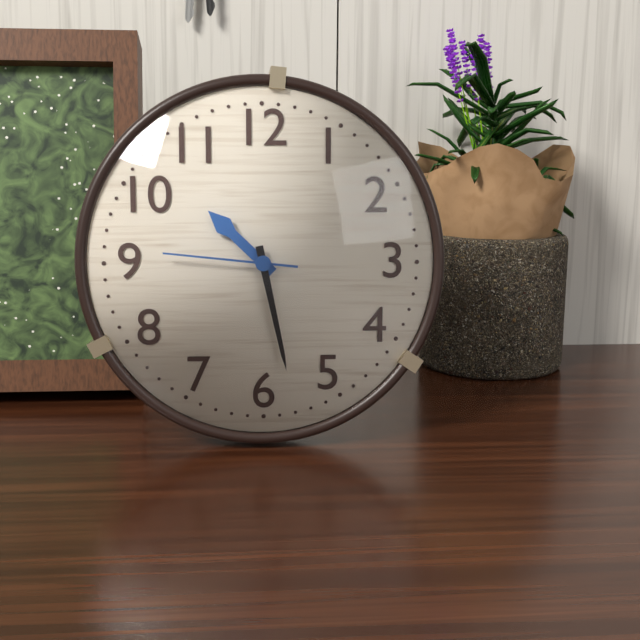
10:28:46
